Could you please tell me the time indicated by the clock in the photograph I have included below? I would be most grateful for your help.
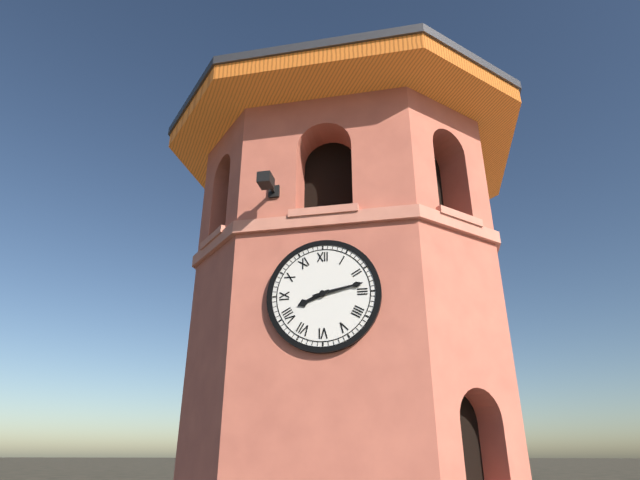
8:13
